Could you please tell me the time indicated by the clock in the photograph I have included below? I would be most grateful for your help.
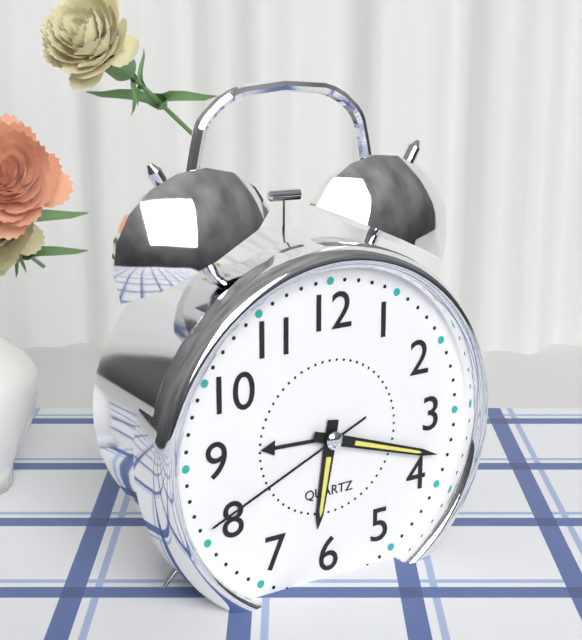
6:18:41
